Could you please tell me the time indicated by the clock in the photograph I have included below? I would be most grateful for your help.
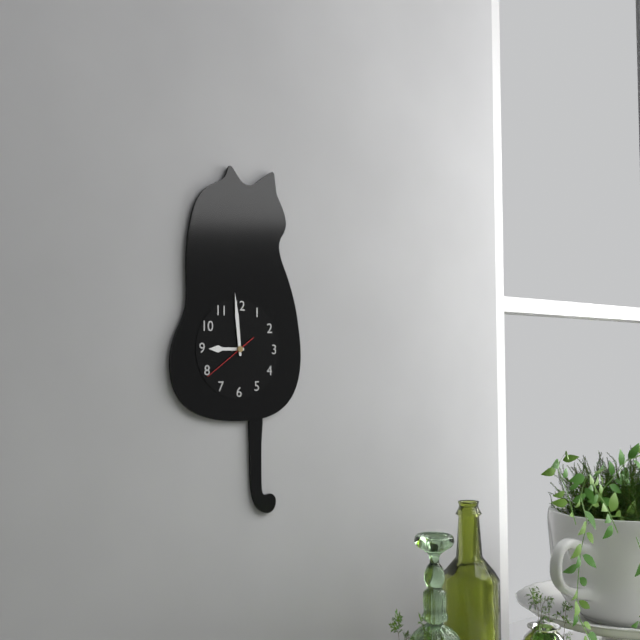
8:59:39
